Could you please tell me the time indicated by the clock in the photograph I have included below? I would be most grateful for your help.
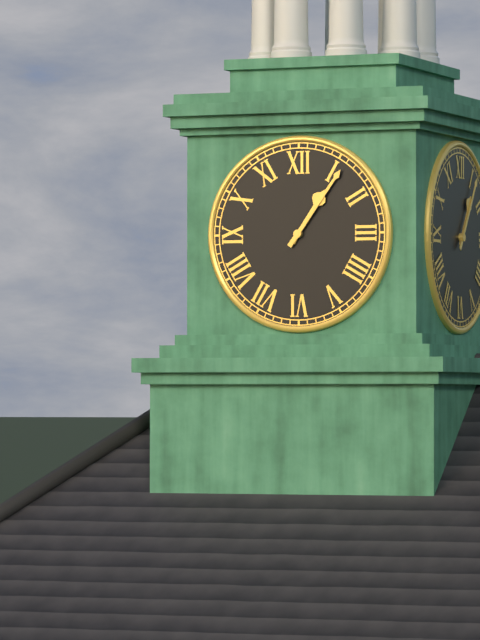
1:06
